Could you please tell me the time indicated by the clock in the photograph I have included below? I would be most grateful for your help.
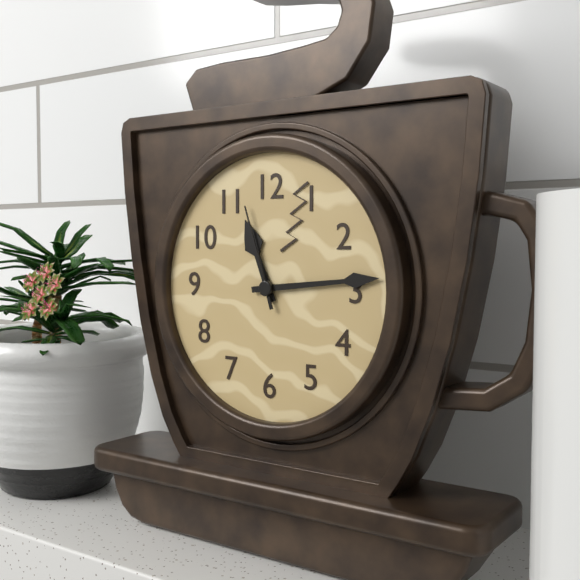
11:14:57
